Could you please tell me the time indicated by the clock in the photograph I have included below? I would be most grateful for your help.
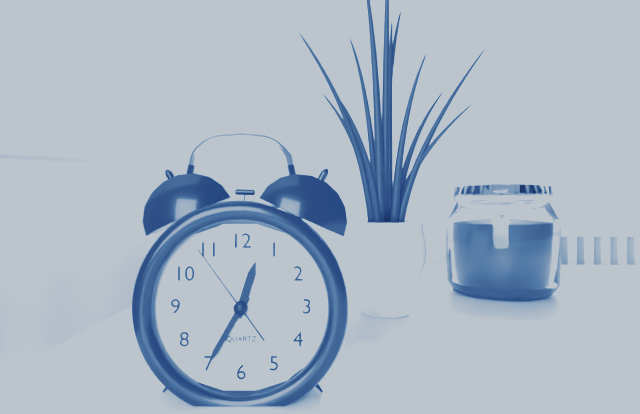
12:35:54
